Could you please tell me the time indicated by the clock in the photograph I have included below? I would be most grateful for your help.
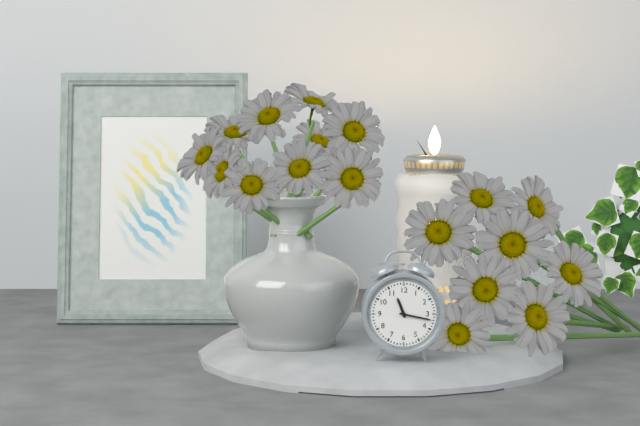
11:17
